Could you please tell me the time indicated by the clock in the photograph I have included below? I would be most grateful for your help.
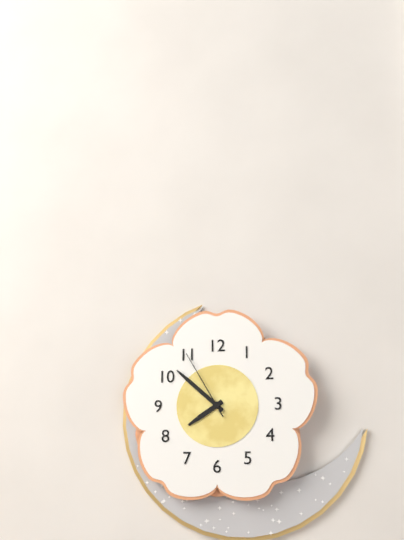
7:52:55
